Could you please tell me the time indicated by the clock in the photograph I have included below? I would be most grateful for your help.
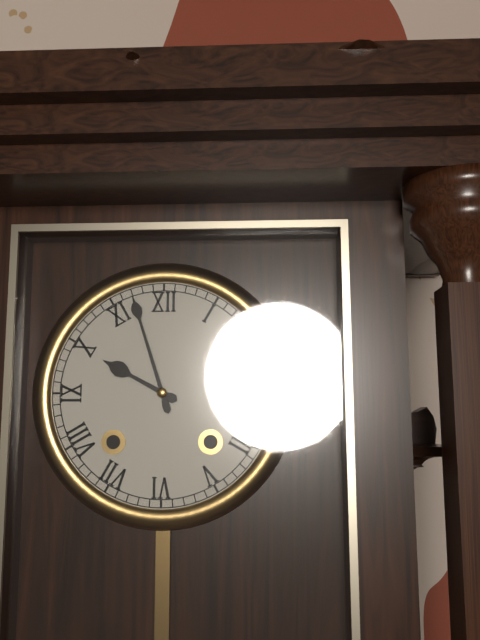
9:57
